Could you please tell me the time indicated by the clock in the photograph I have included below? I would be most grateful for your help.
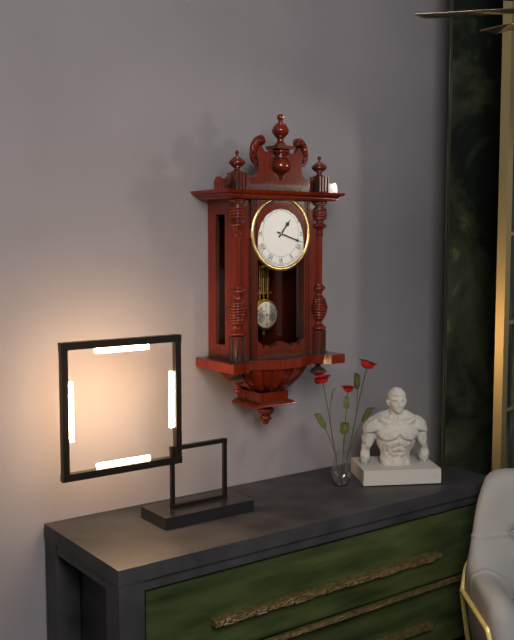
1:18
